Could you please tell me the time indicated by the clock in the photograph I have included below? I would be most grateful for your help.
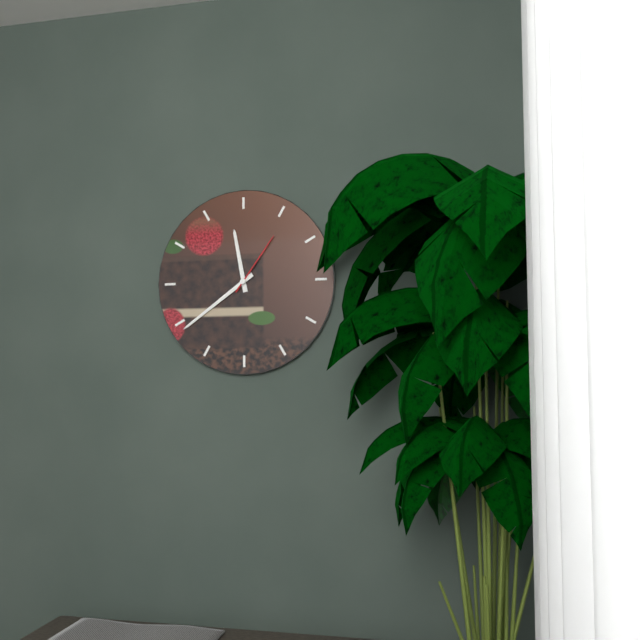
11:39:06
